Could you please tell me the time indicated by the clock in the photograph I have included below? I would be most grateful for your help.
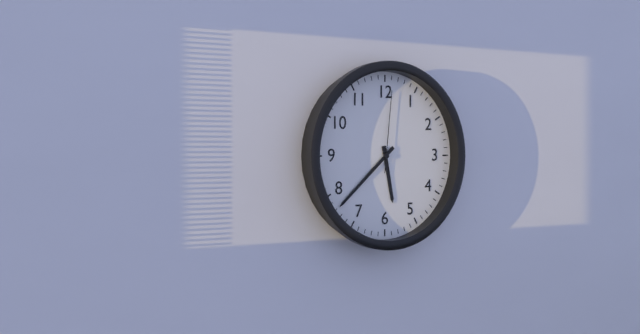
5:38:01
